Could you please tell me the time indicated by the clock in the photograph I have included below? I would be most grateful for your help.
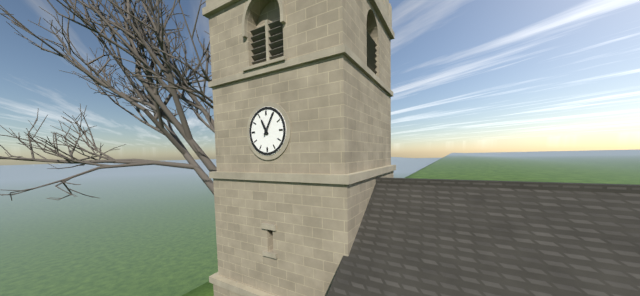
11:05
